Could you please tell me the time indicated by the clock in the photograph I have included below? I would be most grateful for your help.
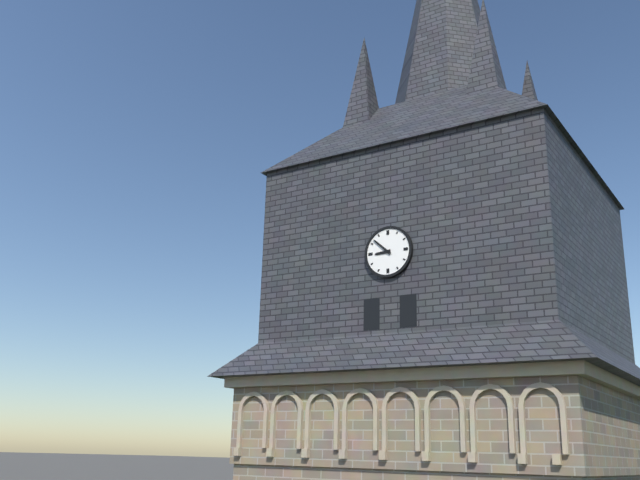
8:52
